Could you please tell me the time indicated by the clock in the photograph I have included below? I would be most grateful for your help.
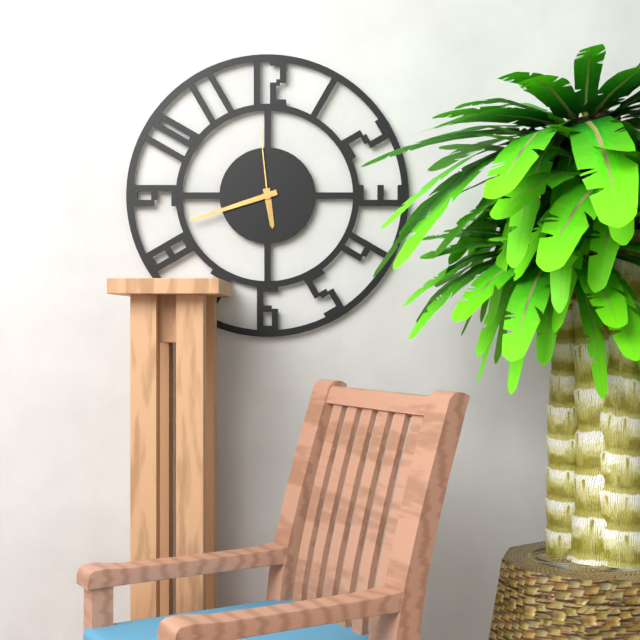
5:42:59
